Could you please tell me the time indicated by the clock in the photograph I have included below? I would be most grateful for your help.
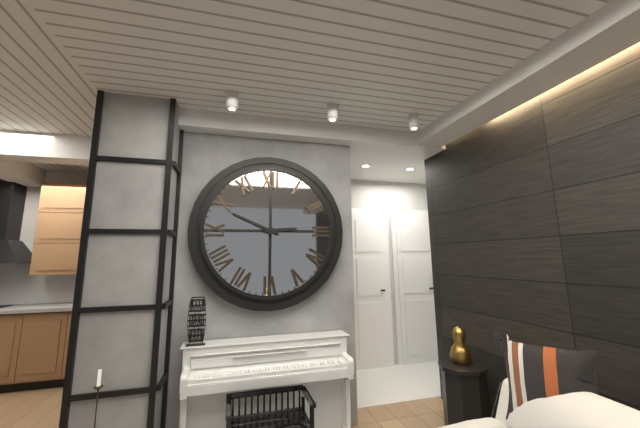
2:49
